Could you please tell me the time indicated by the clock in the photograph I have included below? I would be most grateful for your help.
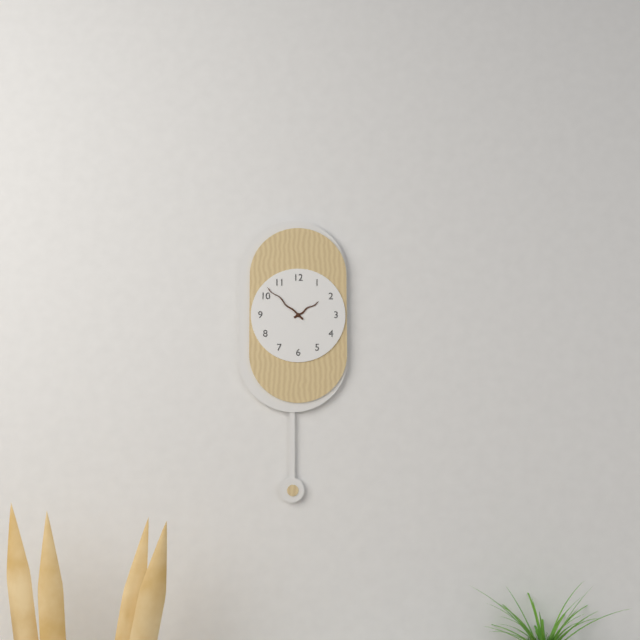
1:52
